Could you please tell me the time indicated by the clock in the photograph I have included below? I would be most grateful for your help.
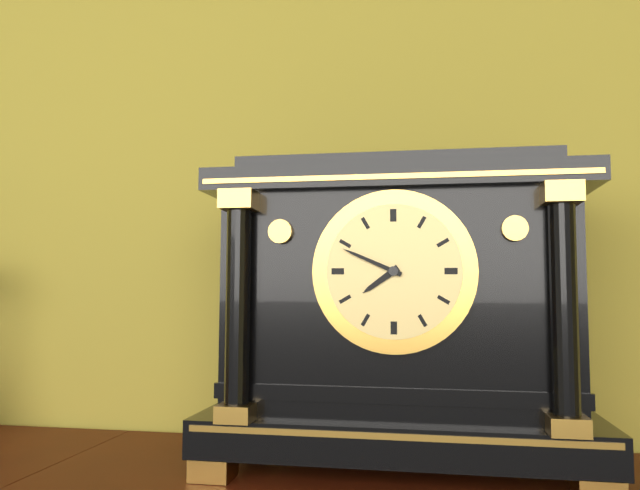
7:49
